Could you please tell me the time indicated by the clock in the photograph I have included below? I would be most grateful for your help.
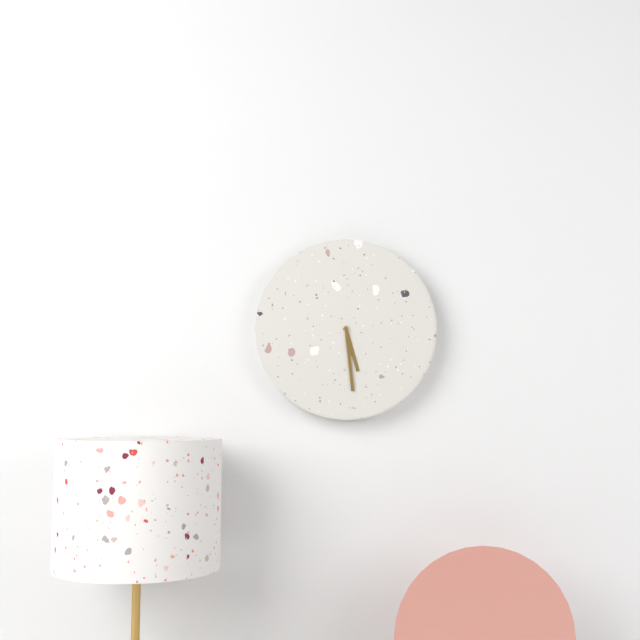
5:29
